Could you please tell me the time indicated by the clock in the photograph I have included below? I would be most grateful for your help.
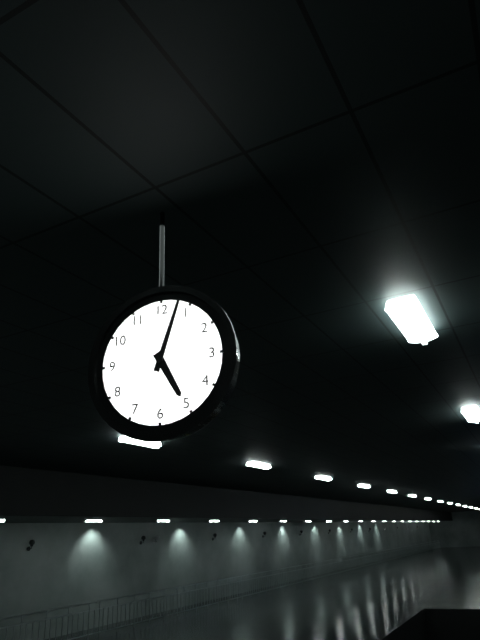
5:03
